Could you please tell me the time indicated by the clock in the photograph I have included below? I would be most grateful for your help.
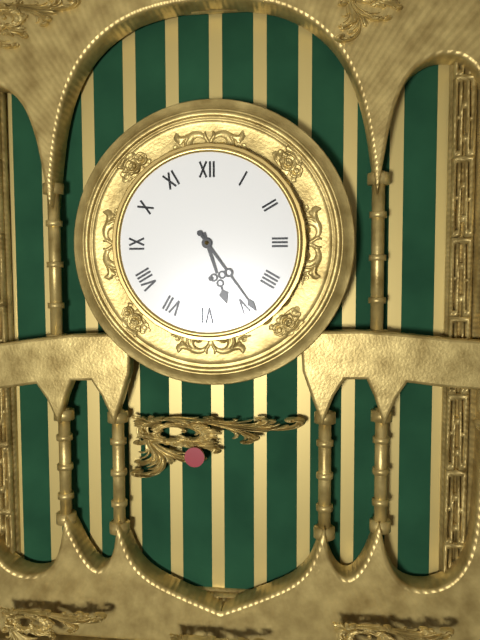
5:24
